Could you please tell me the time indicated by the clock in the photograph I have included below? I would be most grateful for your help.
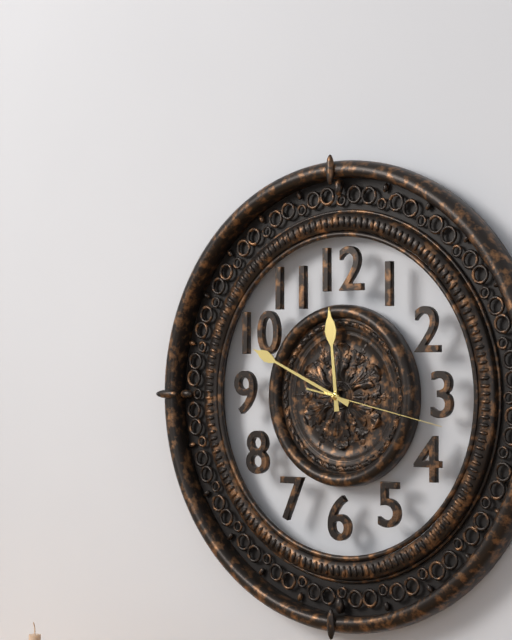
11:49:17
